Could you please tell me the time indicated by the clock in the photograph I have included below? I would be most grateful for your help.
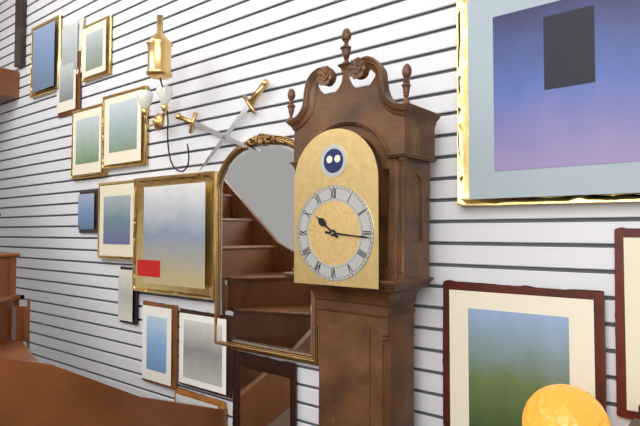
10:16
